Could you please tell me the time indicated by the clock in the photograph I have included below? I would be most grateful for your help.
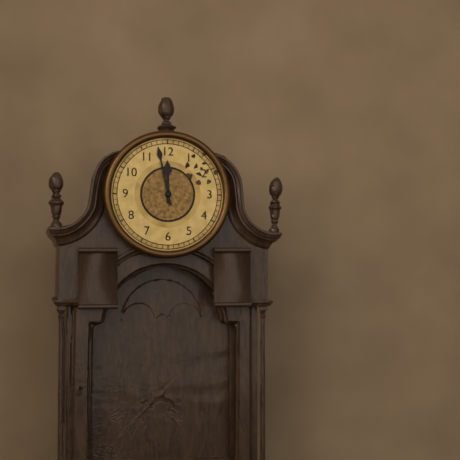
11:58
